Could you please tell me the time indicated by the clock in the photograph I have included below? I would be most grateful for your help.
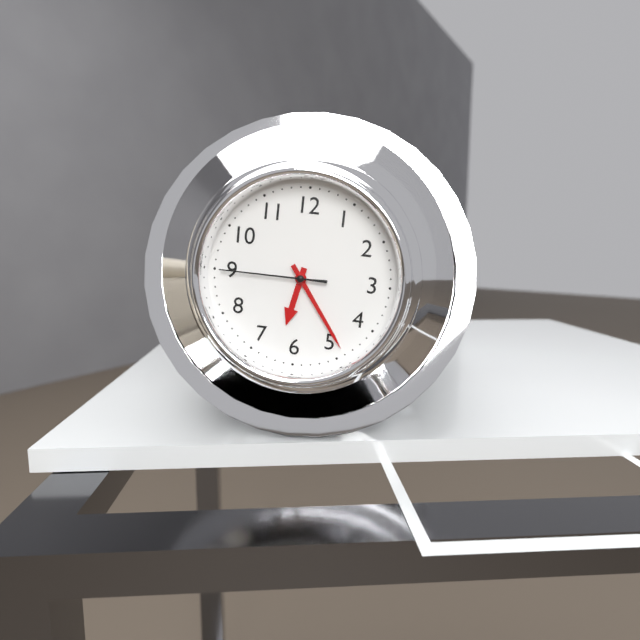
6:24:45
